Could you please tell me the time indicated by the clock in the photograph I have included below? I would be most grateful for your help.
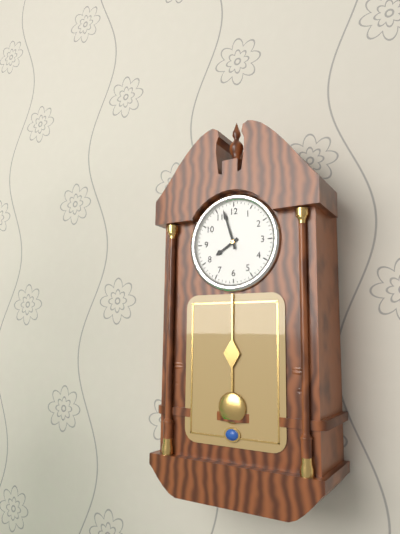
7:57
